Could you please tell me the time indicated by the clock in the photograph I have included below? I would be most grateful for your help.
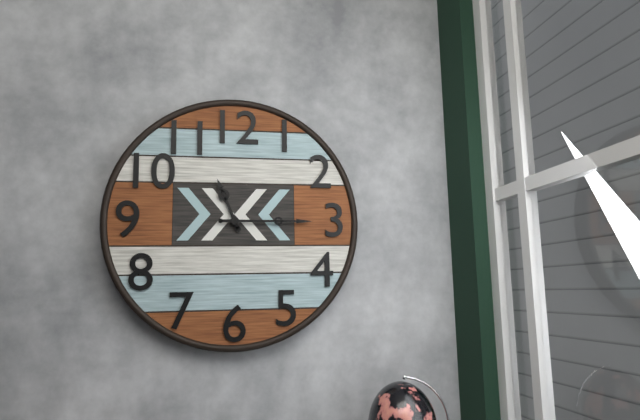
11:15
